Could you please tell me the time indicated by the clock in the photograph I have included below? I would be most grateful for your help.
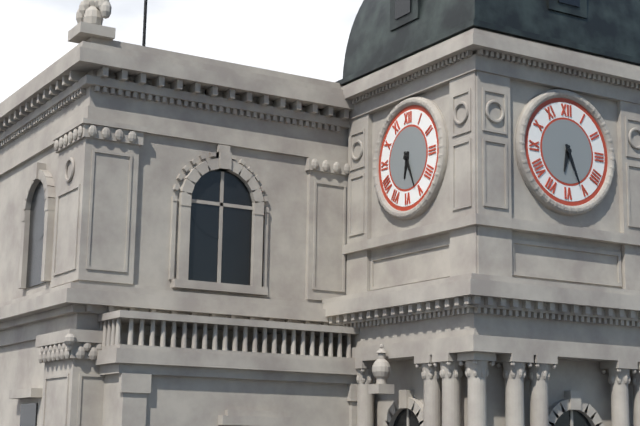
6:26
